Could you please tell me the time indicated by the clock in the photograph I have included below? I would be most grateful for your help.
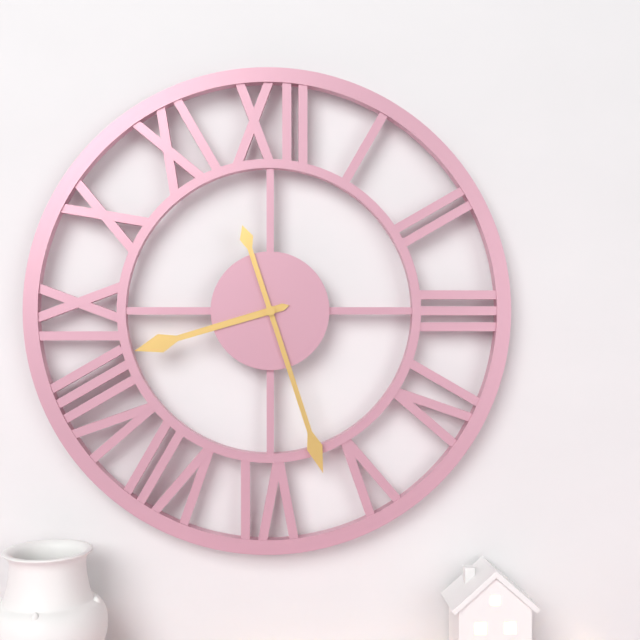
8:27
